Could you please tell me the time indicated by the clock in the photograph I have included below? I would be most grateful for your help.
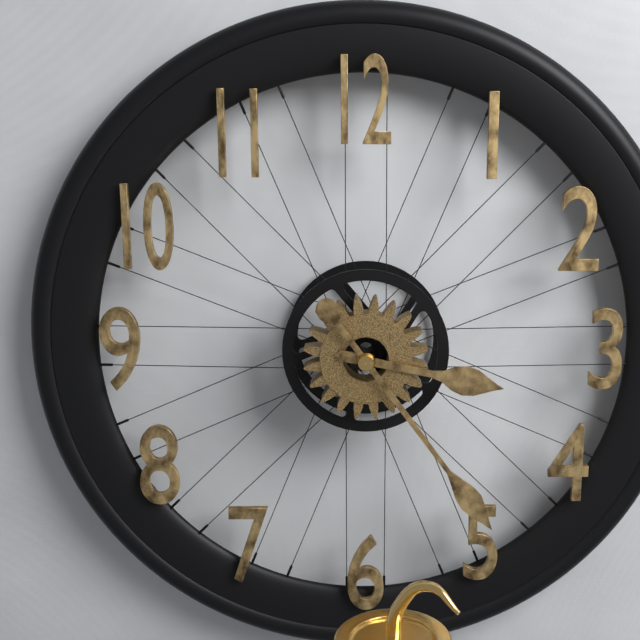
3:24
